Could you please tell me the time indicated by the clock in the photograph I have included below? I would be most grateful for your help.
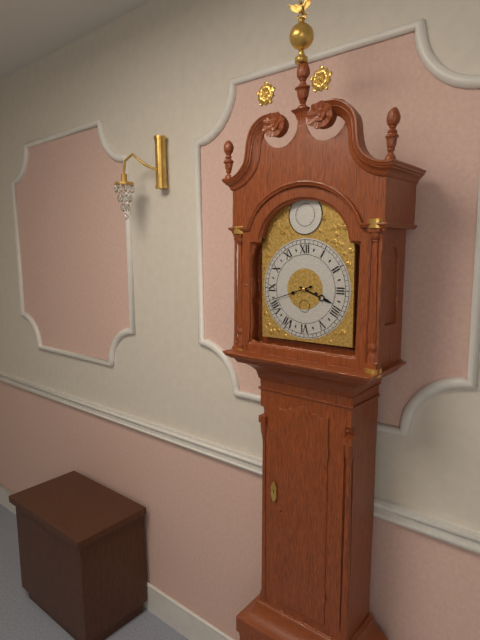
3:42
